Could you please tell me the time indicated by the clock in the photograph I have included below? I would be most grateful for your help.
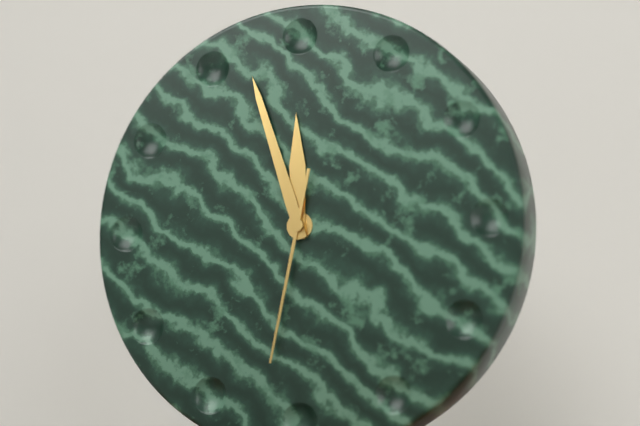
11:57:32
